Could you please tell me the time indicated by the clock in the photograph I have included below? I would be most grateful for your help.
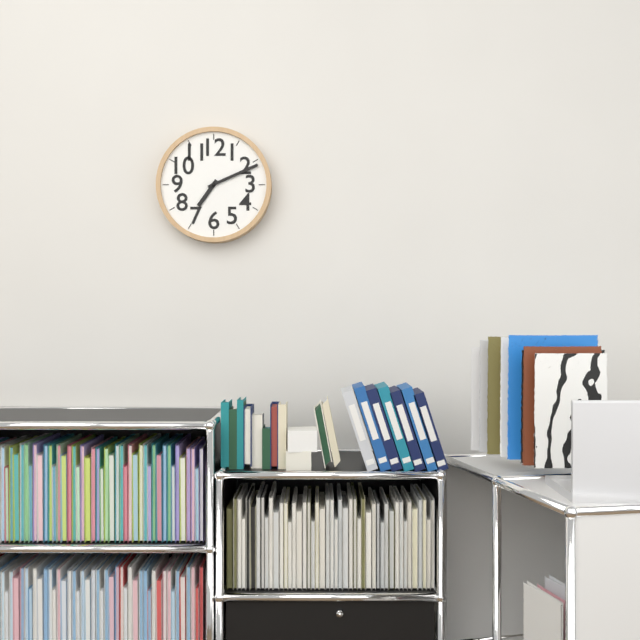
7:11
